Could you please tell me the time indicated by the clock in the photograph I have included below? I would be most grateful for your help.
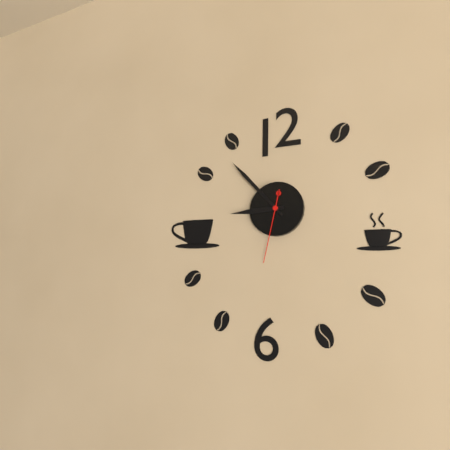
8:53:32
